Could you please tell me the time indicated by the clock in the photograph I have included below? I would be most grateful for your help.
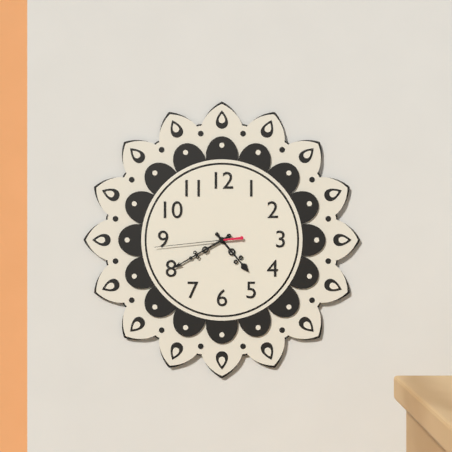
4:40:44
